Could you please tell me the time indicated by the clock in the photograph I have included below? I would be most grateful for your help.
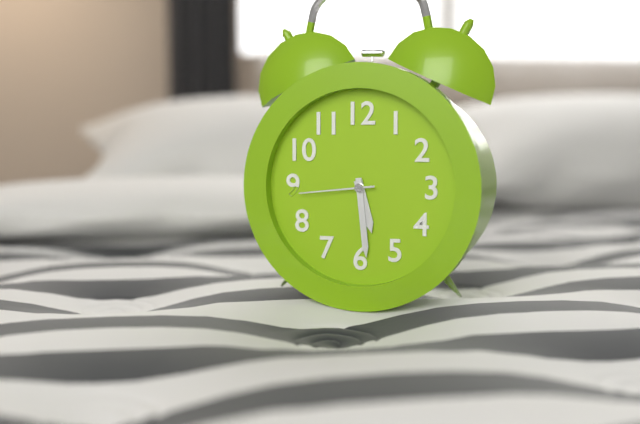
5:29:44
